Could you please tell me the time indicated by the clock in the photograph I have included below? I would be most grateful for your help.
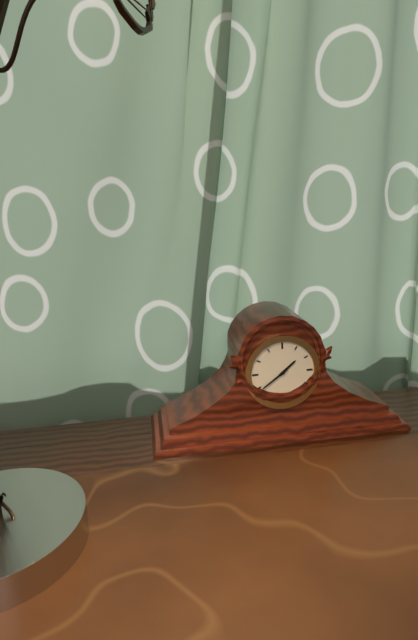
1:39
